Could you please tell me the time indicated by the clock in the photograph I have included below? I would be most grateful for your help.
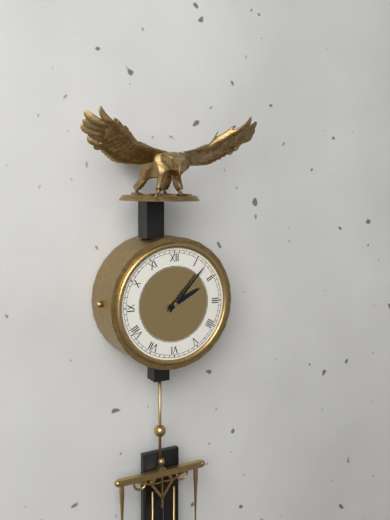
2:07
